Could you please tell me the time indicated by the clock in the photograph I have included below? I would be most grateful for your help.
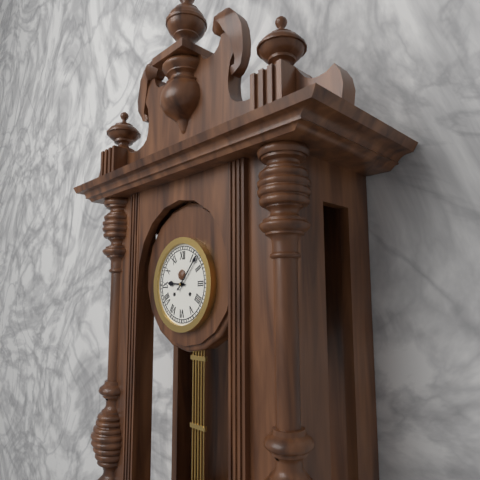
9:07
